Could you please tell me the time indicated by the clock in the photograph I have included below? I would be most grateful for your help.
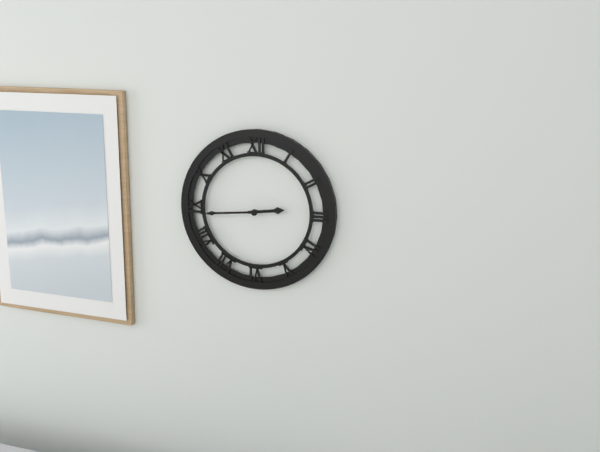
2:44
